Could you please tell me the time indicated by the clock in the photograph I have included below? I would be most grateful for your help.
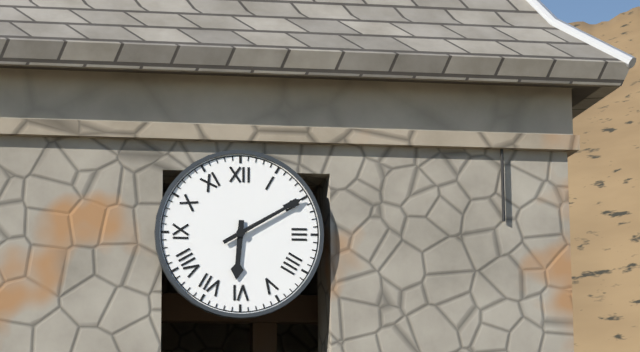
6:10
